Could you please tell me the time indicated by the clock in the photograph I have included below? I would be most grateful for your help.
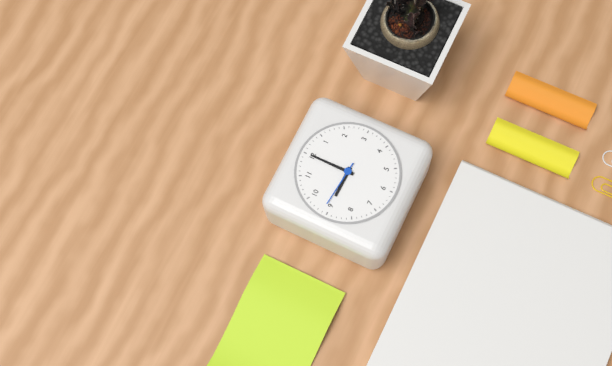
9:00
